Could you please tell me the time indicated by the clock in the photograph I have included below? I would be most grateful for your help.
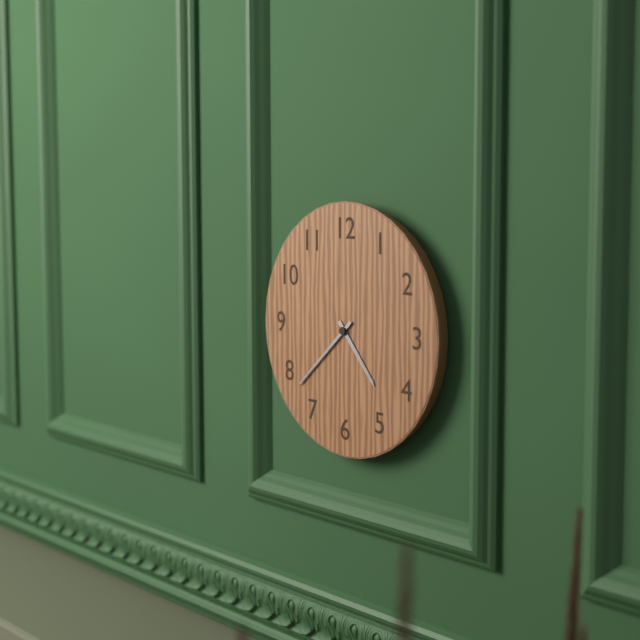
4:38
